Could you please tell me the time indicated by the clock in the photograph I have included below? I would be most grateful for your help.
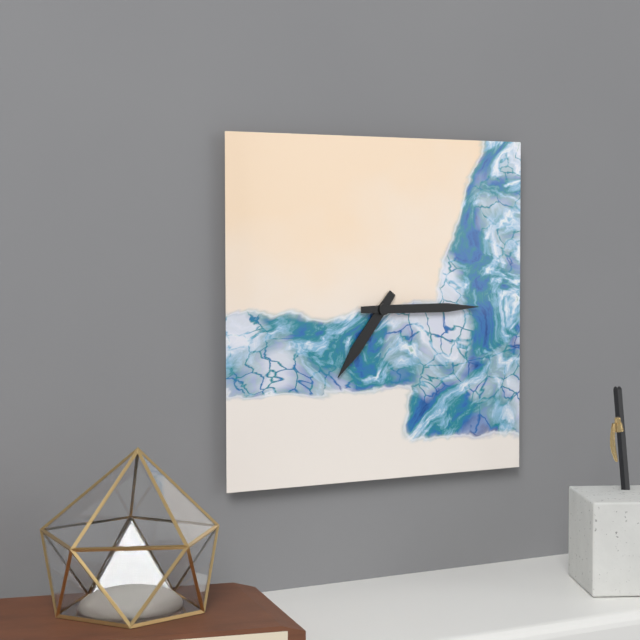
7:15
